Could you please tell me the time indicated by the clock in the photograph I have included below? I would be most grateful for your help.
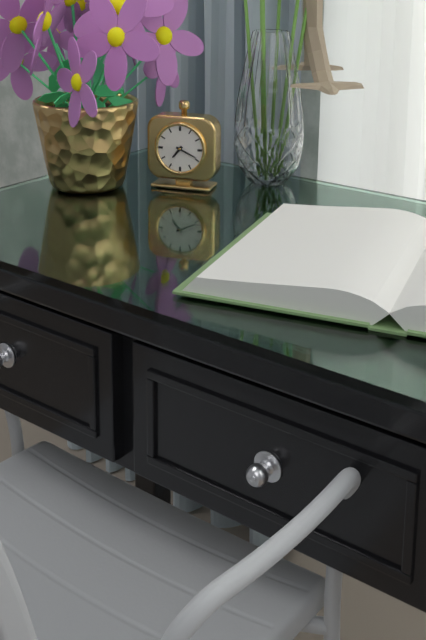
7:19
